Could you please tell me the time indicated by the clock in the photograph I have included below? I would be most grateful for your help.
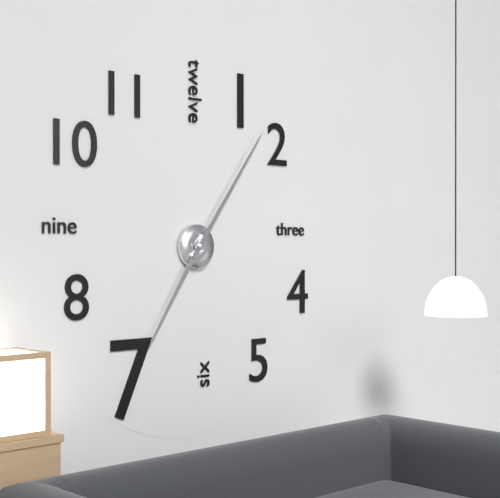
7:06
